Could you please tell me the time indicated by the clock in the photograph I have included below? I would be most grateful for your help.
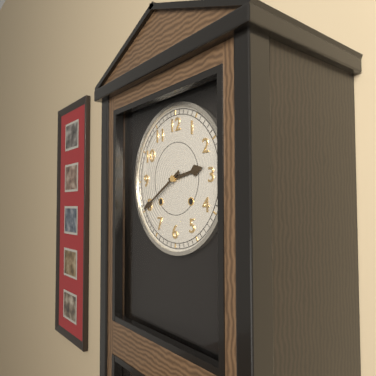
2:40
